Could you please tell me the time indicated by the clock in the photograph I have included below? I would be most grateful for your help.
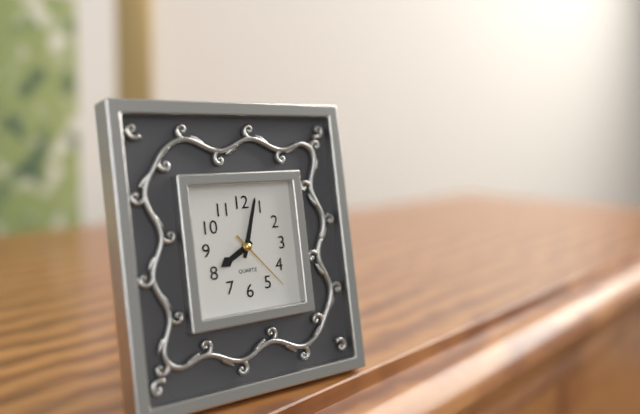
8:03:23
